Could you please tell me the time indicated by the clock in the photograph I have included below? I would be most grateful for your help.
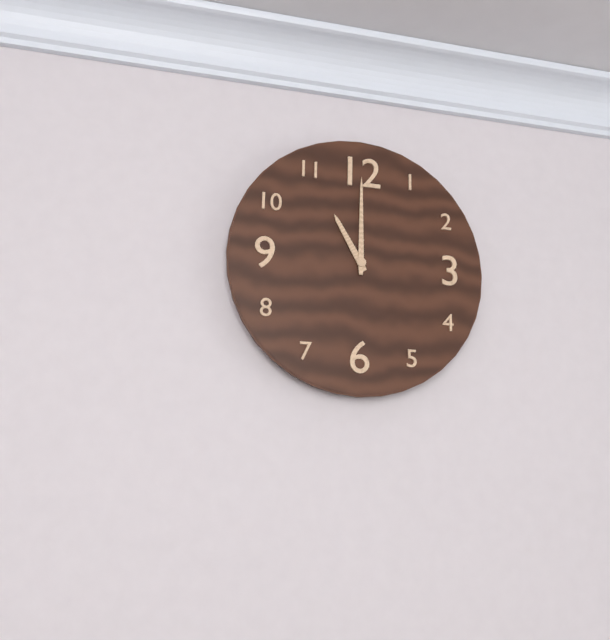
11:00
